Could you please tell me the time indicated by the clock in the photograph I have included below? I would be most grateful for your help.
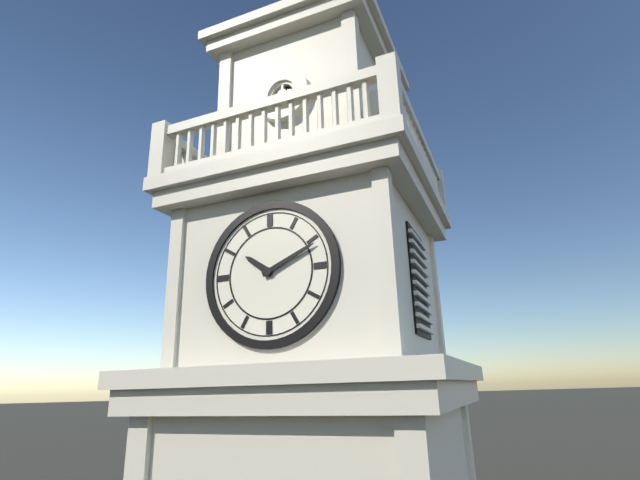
10:11
